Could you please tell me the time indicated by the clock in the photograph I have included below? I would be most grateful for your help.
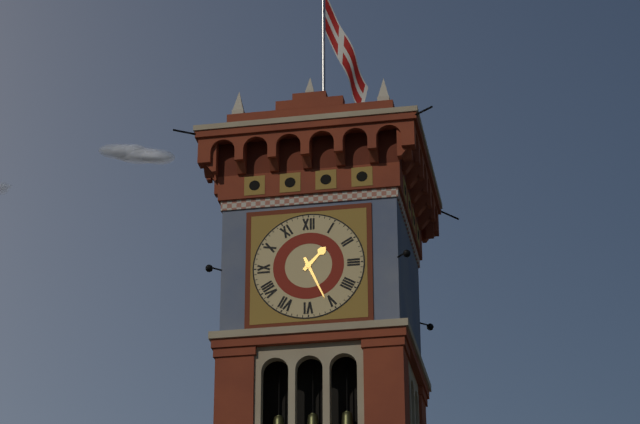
1:26
